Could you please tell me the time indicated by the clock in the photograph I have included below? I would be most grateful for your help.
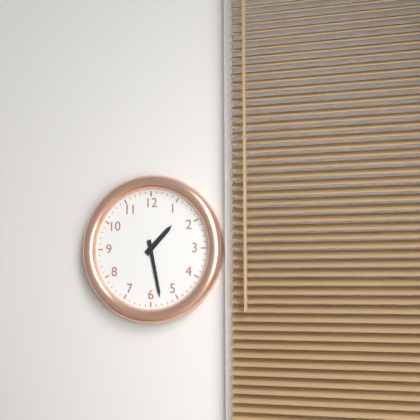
1:28
